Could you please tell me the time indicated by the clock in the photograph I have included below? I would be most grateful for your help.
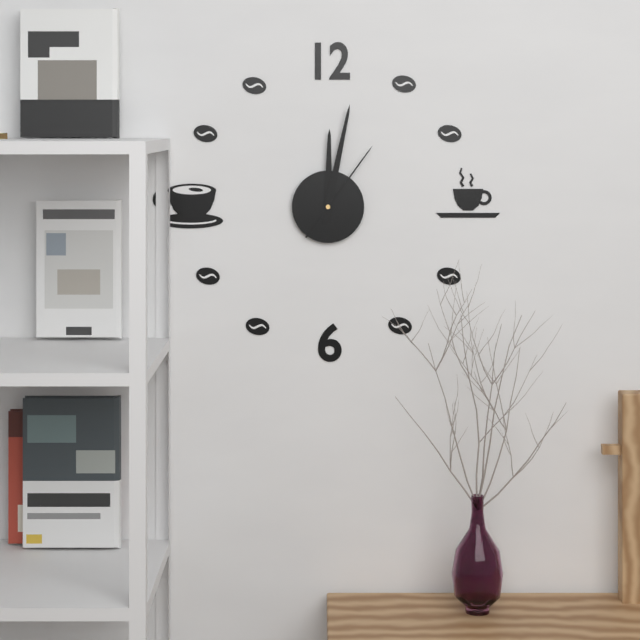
12:02:06
